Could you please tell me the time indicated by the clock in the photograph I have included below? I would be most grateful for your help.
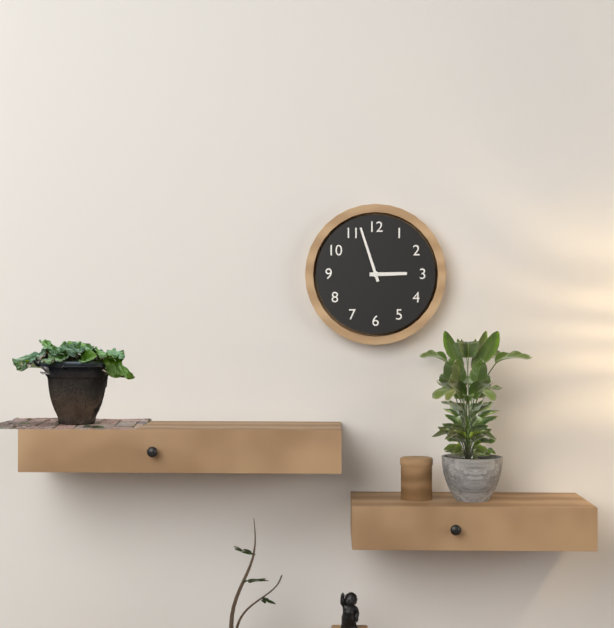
2:57
